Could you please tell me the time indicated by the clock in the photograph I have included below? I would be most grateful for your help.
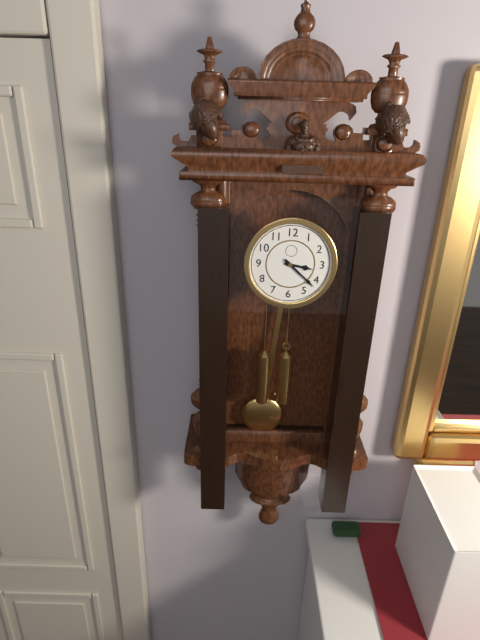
3:22
